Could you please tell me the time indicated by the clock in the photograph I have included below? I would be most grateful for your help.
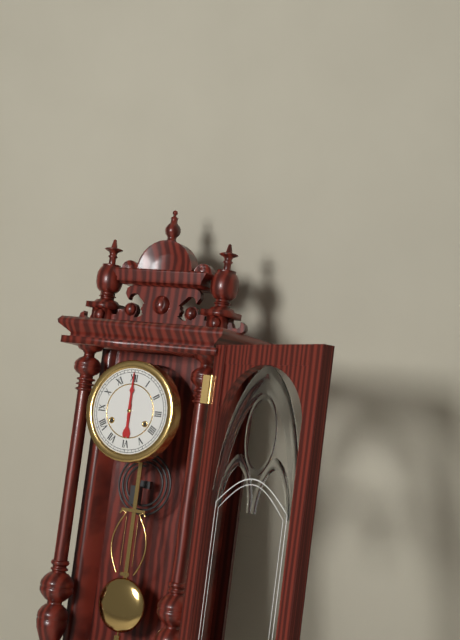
6:00
